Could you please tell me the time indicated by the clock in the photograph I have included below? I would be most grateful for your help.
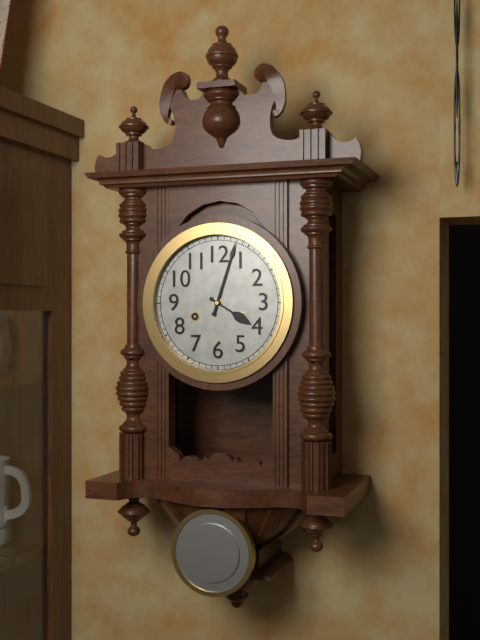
4:03
